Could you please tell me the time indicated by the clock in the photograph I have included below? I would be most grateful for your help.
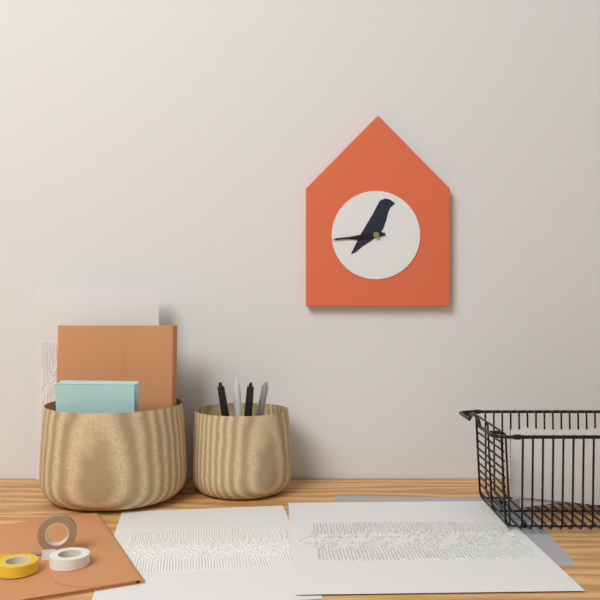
8:44
